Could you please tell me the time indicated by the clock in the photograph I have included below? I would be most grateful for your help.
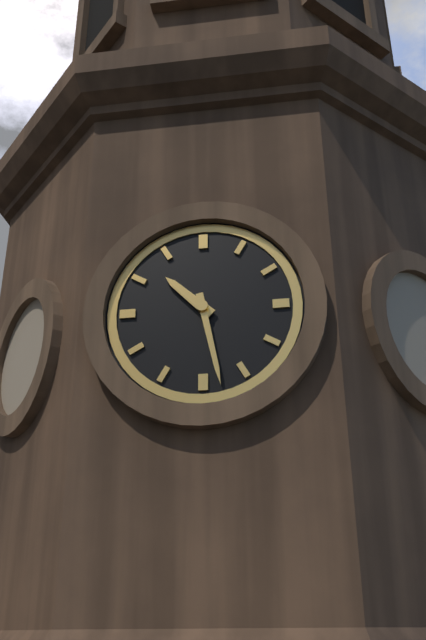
10:28
